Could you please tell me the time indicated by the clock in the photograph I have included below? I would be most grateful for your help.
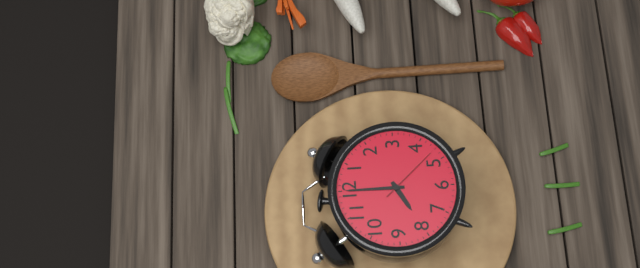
8:00:23
